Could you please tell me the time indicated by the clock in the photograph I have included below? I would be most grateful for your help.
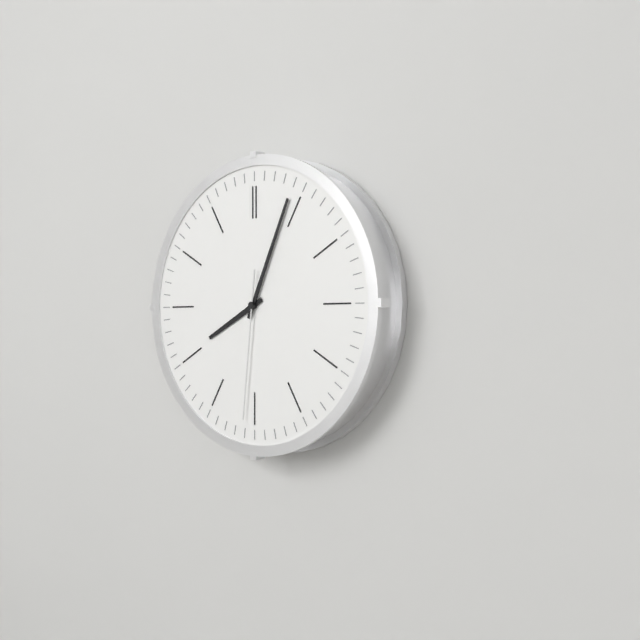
8:04:31
